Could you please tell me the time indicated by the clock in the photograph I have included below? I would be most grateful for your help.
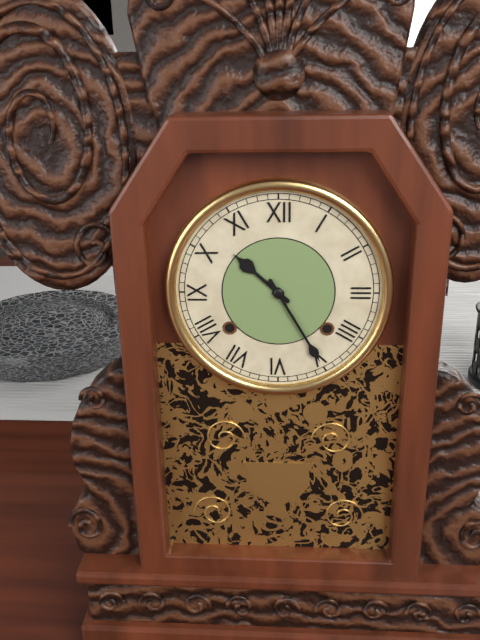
10:25
